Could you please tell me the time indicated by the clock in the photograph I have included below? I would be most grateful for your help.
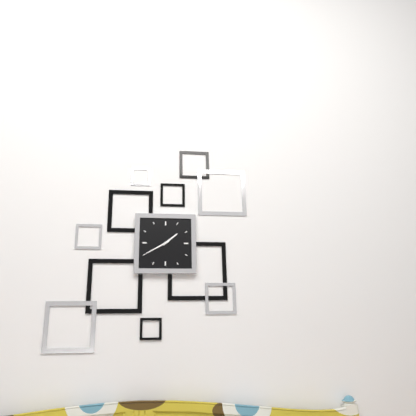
1:40
